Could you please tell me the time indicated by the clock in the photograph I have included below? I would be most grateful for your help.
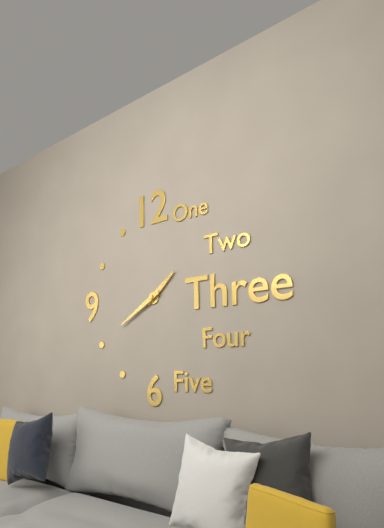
1:40
